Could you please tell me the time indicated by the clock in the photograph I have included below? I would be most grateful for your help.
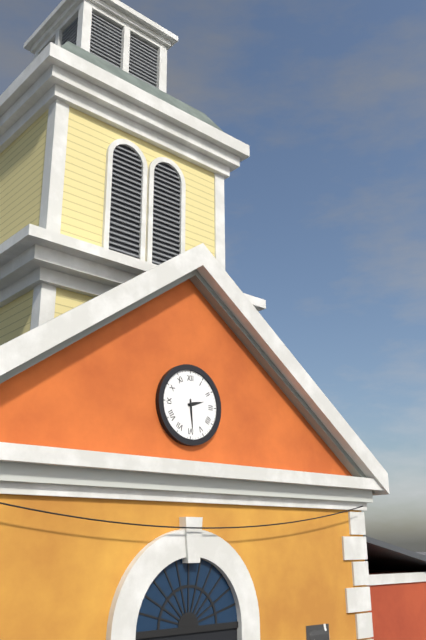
2:29
